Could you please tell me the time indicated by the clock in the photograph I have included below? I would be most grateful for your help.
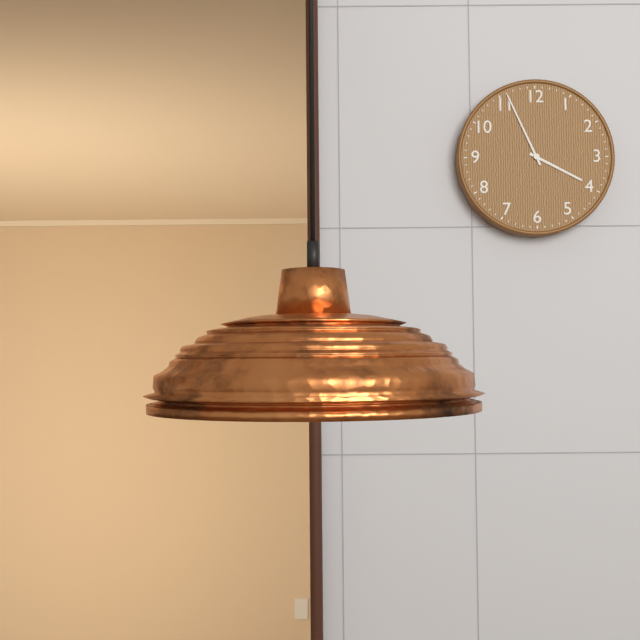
3:56
